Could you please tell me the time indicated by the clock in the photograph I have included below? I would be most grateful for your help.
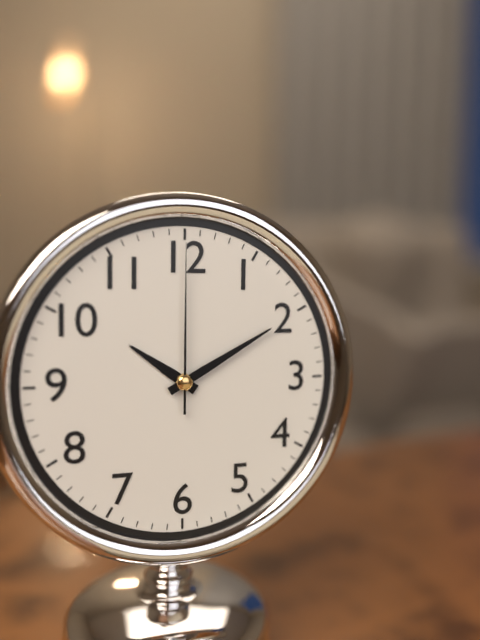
10:10:00
